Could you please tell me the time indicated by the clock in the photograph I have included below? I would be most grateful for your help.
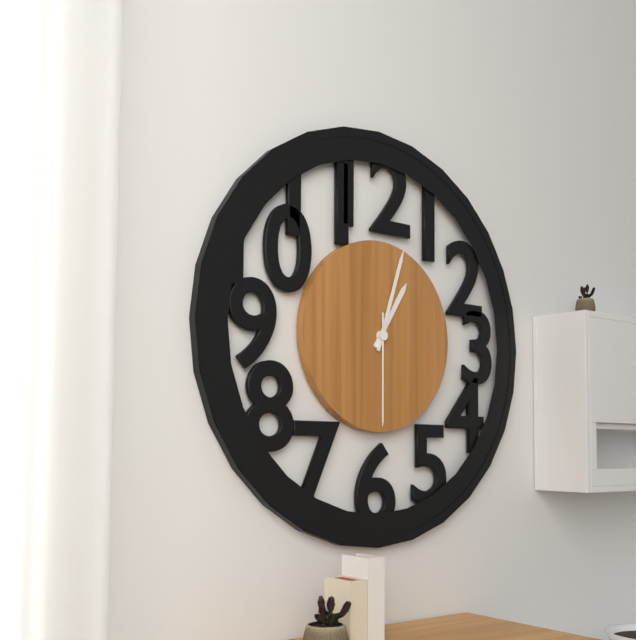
1:03:30
